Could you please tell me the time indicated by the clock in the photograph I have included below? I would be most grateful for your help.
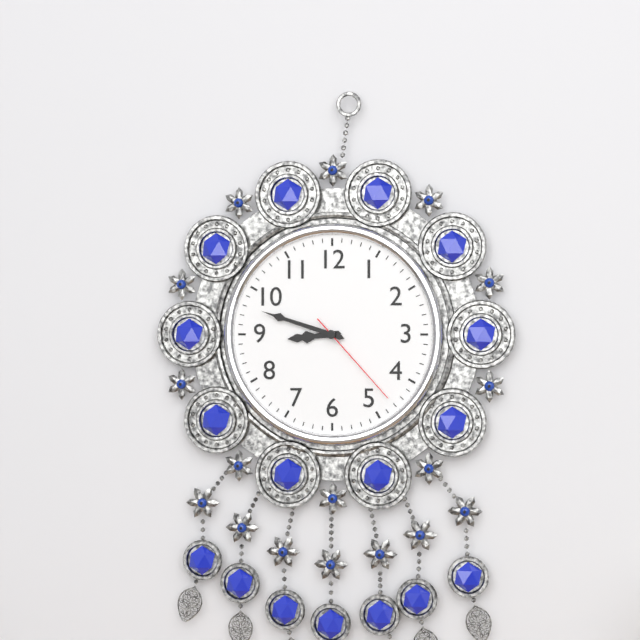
8:48:23
